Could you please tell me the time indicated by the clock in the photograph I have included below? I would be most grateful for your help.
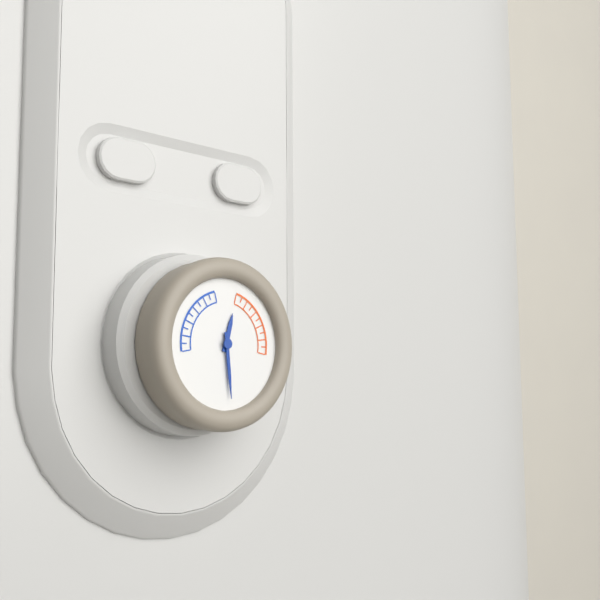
12:29
